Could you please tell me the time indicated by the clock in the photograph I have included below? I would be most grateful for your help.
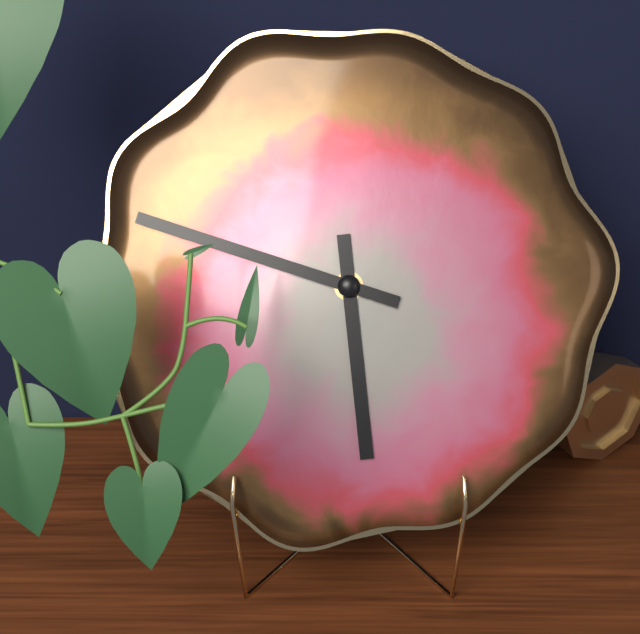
5:48
